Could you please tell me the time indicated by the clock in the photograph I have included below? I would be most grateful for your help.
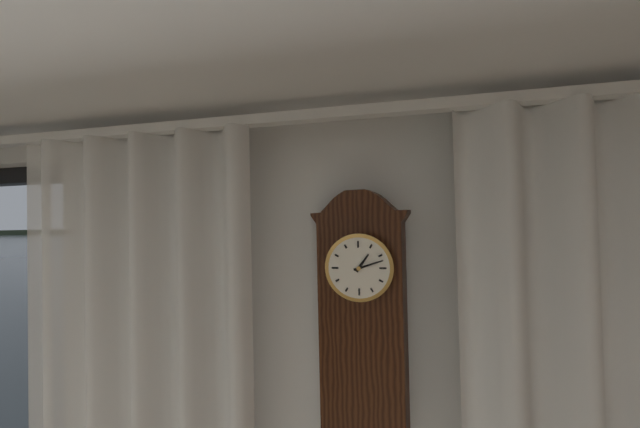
1:12
